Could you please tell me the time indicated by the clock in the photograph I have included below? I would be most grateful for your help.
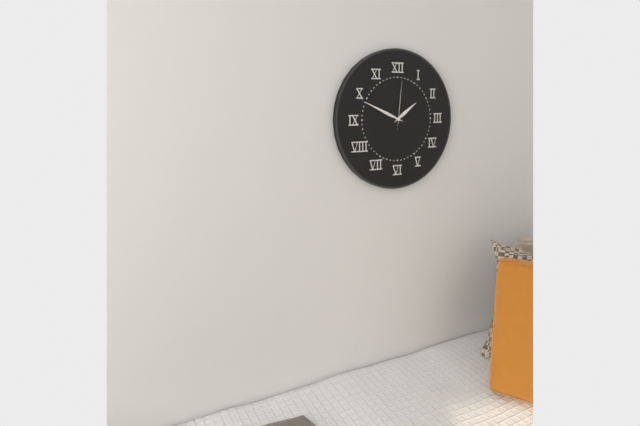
1:49:01
